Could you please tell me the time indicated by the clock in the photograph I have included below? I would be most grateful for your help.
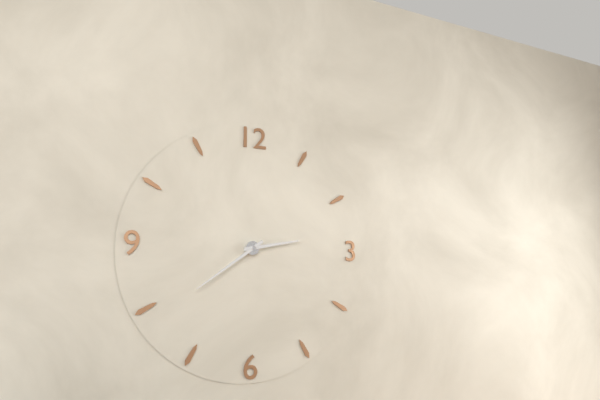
2:39
